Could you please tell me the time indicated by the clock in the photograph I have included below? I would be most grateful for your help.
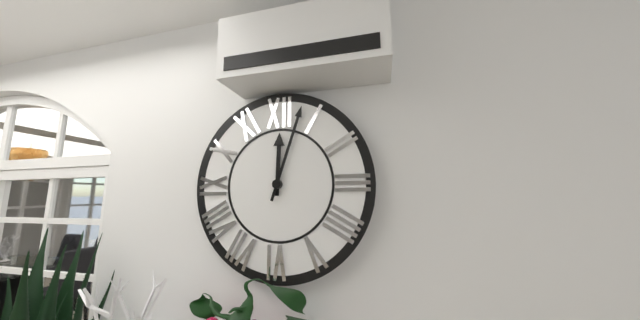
12:03
